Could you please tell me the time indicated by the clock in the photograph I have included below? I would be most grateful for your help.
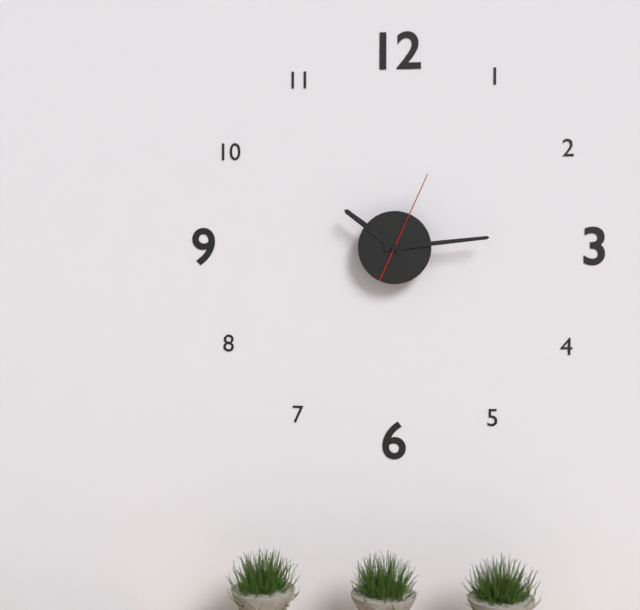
10:14:04
